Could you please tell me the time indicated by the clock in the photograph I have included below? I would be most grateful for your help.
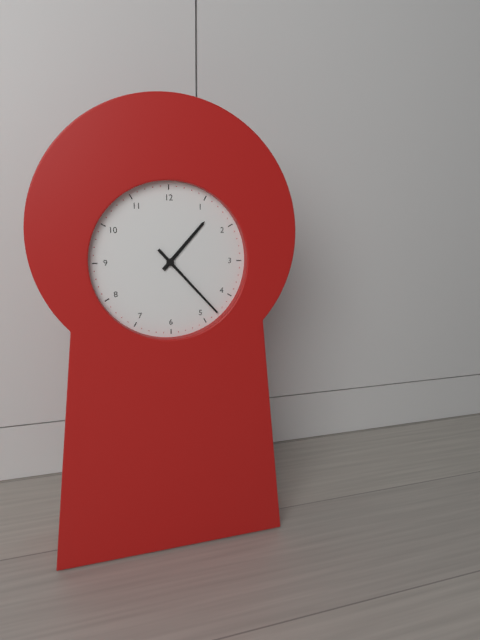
1:23
